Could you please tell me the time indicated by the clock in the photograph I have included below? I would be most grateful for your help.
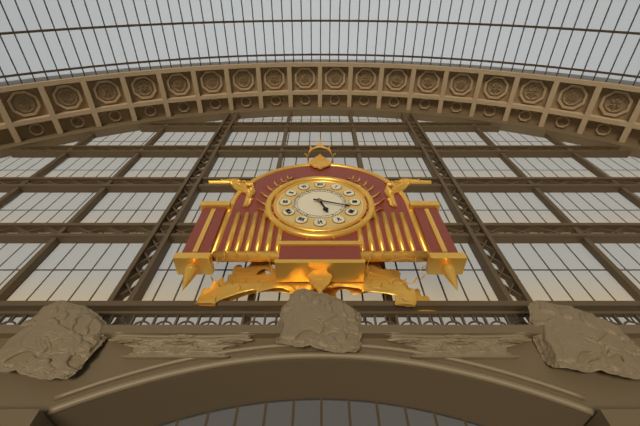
5:18
